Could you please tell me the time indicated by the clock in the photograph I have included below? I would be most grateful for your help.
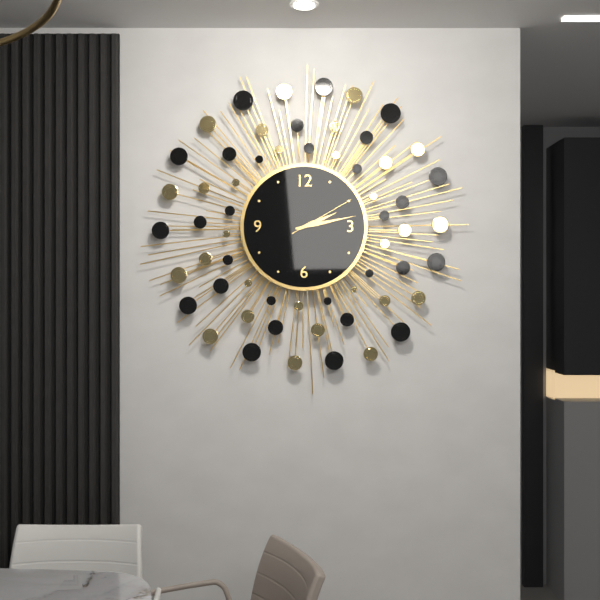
2:13:10
